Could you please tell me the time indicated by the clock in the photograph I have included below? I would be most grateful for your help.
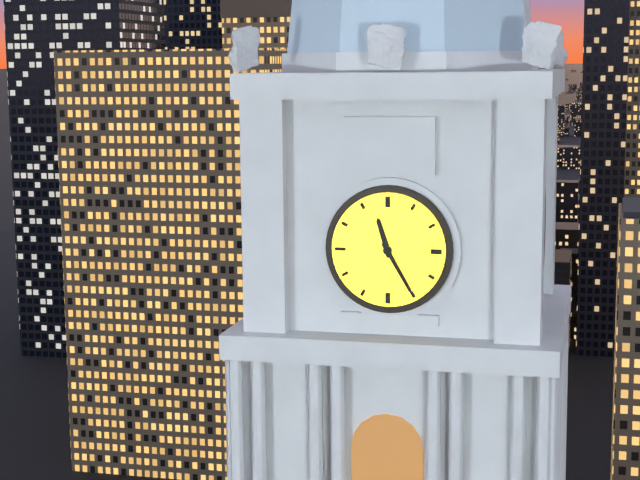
11:25
